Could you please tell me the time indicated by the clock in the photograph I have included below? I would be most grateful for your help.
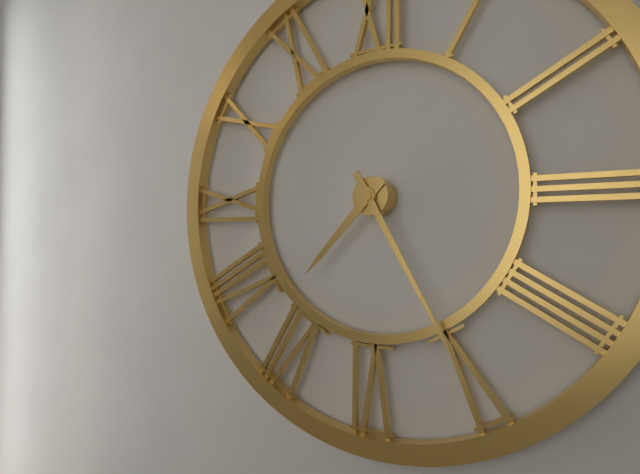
7:25
